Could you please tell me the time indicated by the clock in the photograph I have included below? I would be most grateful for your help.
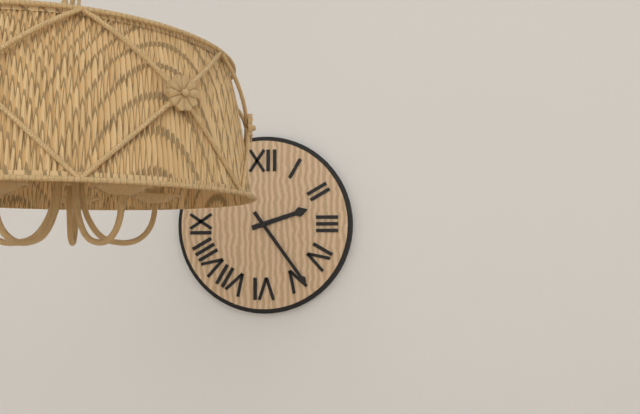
2:24
